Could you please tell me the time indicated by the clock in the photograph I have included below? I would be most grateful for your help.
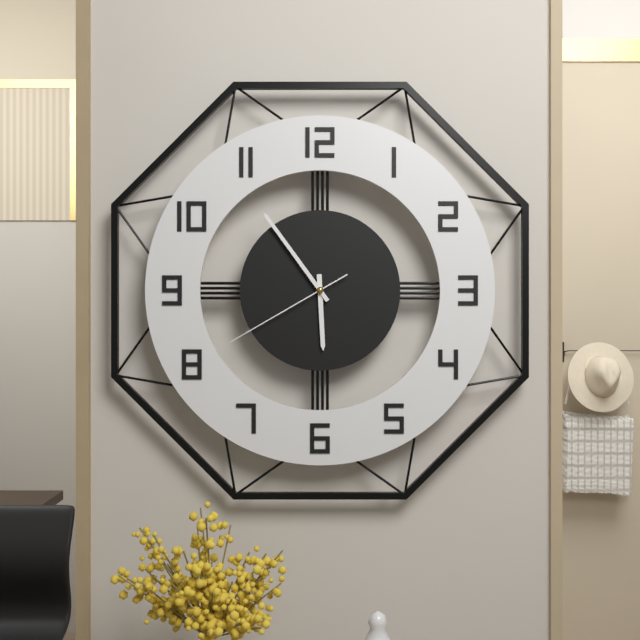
5:54:40
